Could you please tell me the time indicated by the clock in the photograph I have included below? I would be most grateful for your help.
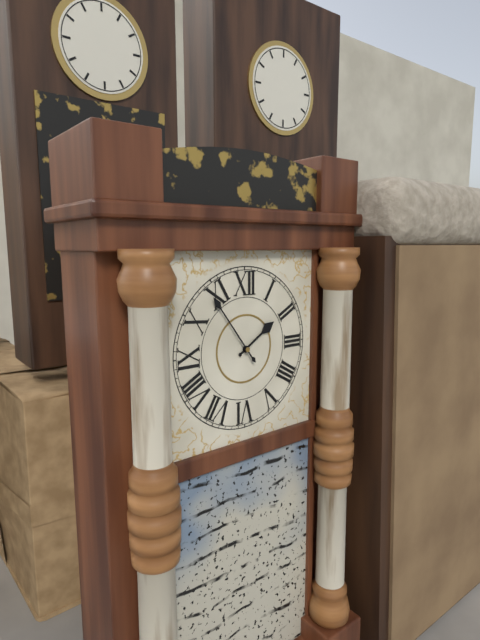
1:54
